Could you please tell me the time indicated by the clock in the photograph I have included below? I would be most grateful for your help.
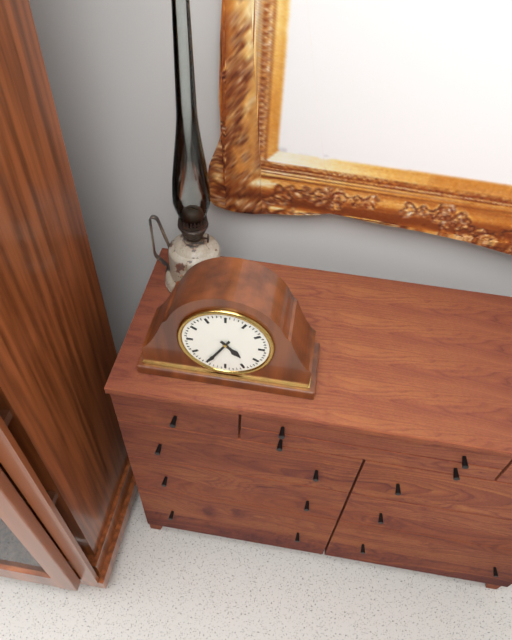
4:35
